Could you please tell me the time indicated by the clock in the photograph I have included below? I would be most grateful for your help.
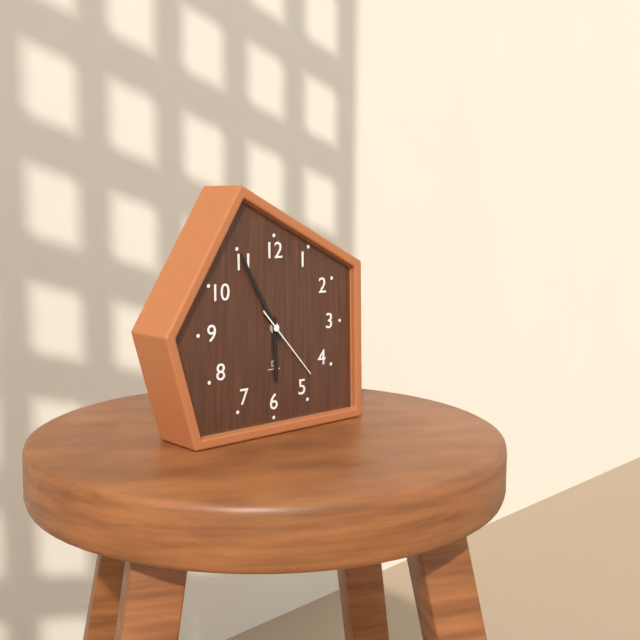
5:55:23
